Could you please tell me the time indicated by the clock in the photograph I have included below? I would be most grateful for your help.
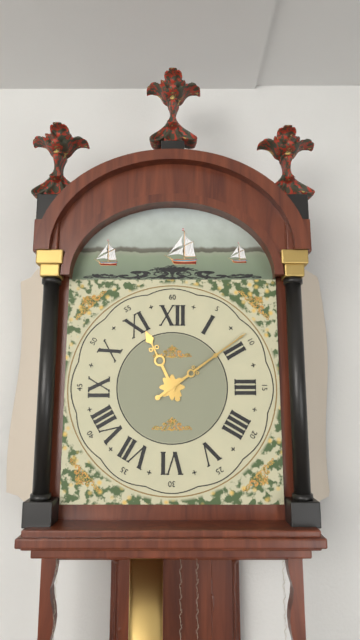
11:09
